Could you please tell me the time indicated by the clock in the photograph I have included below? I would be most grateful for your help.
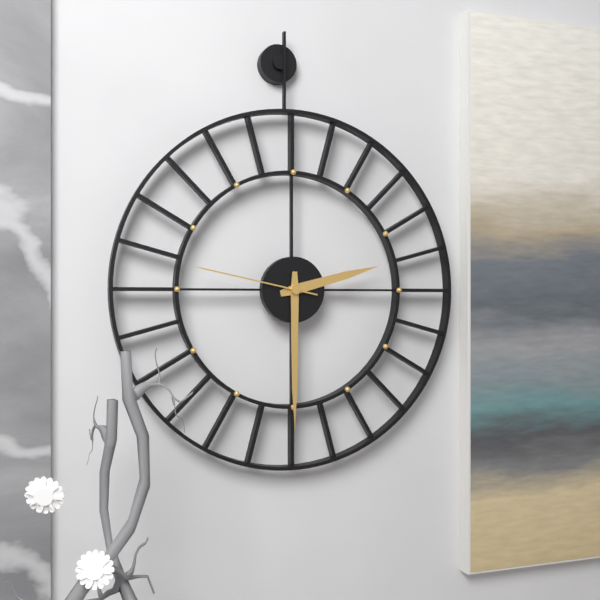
2:30:47
